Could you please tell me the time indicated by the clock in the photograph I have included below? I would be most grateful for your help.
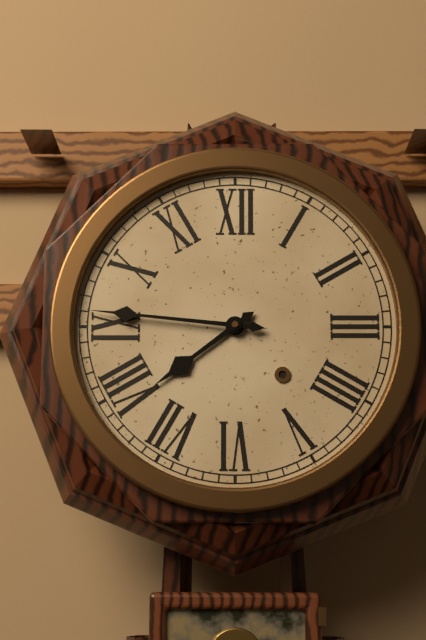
7:46
